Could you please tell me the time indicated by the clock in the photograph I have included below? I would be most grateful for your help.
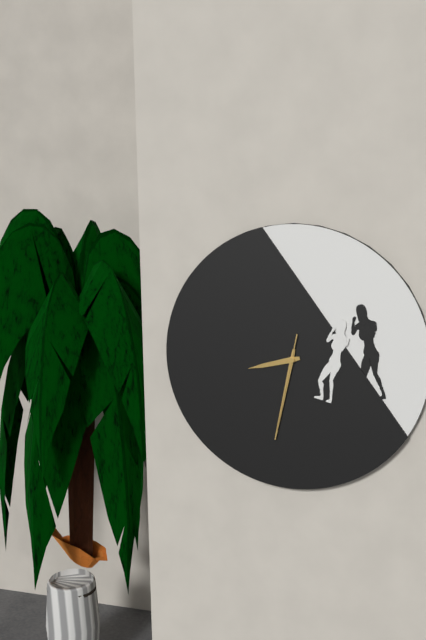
8:32:32
